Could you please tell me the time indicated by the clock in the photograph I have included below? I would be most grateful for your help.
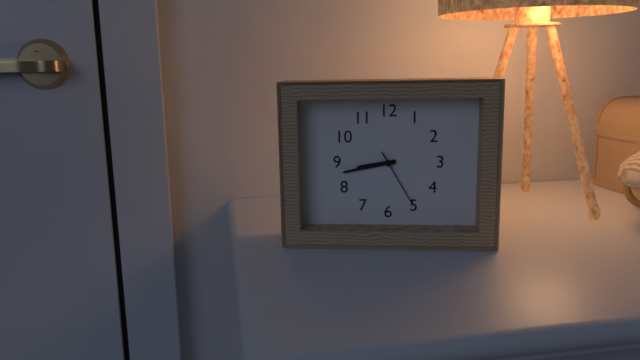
8:43:25
